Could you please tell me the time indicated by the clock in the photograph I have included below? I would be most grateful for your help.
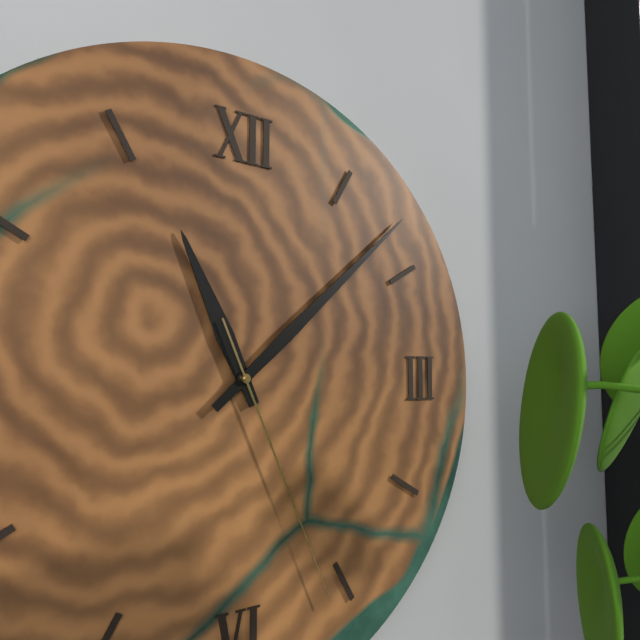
11:08:26
